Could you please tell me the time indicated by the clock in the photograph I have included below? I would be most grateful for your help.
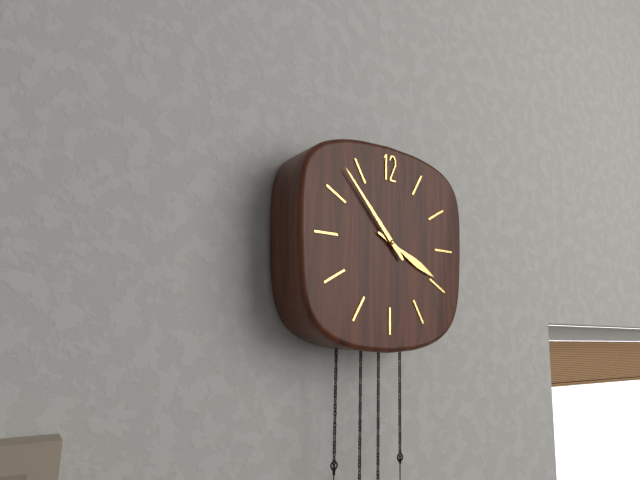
3:53
